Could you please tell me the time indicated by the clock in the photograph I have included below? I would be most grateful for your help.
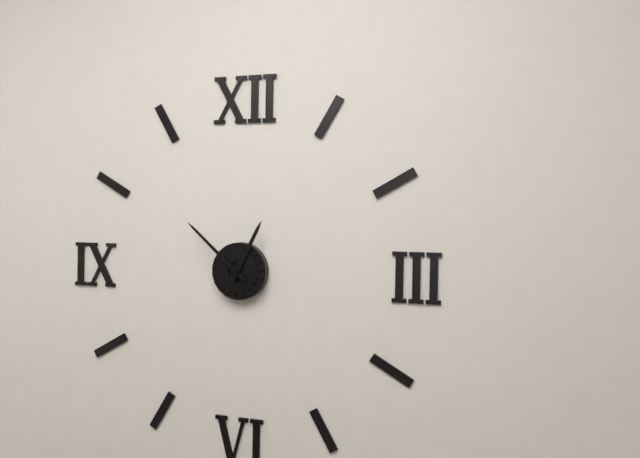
12:52
